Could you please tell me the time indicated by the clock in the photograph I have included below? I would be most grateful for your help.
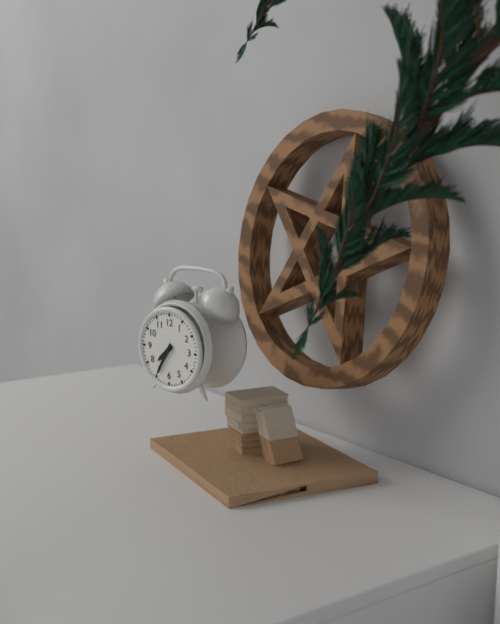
7:35
